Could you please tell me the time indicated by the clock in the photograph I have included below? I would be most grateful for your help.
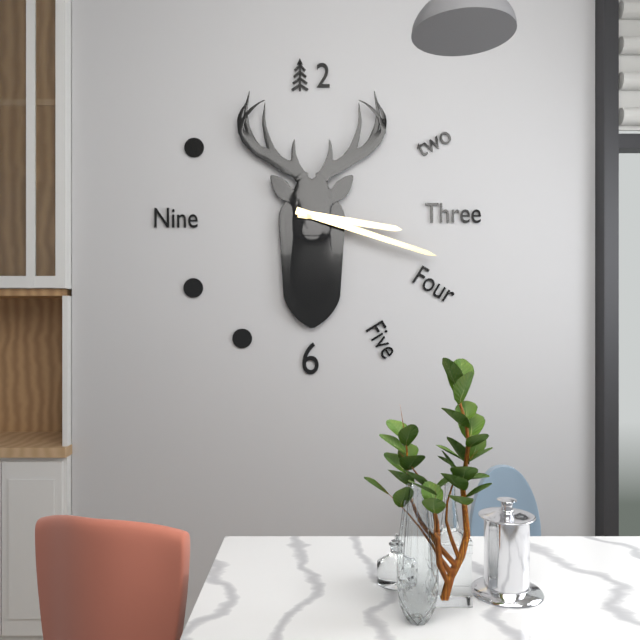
3:18
